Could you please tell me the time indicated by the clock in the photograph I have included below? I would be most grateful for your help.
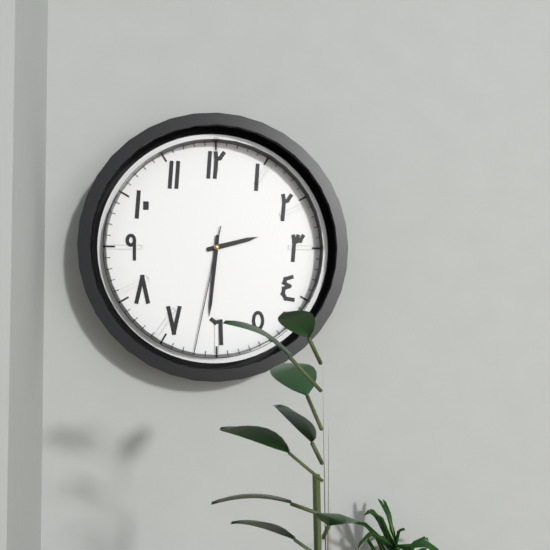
2:31:32
